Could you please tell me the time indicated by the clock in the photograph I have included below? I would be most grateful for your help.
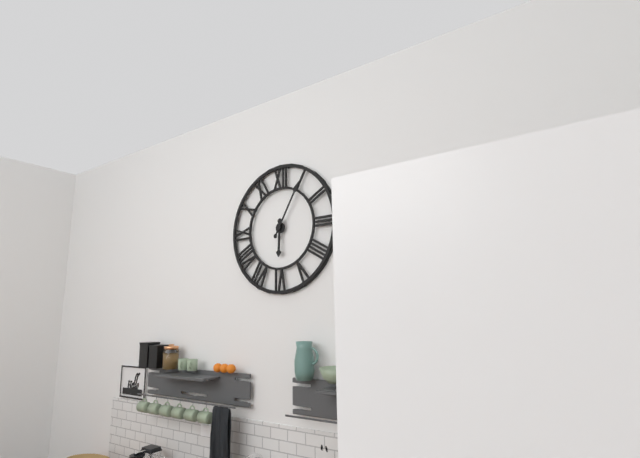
6:05
